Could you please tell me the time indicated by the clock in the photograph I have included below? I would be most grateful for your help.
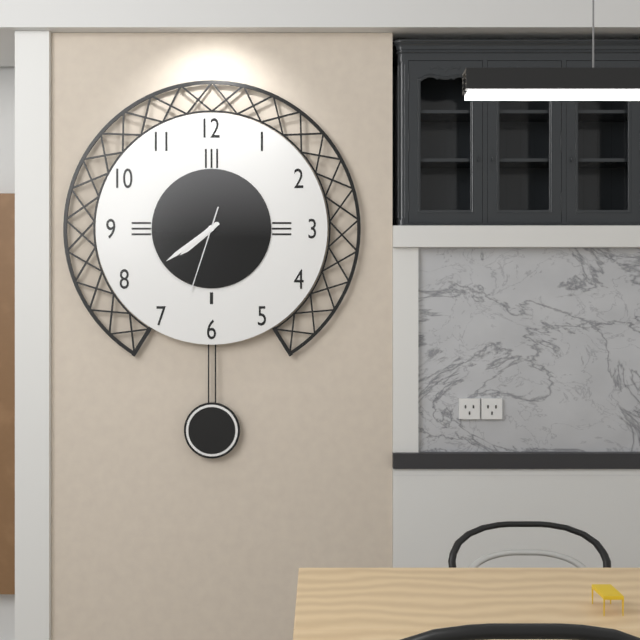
7:39:33
